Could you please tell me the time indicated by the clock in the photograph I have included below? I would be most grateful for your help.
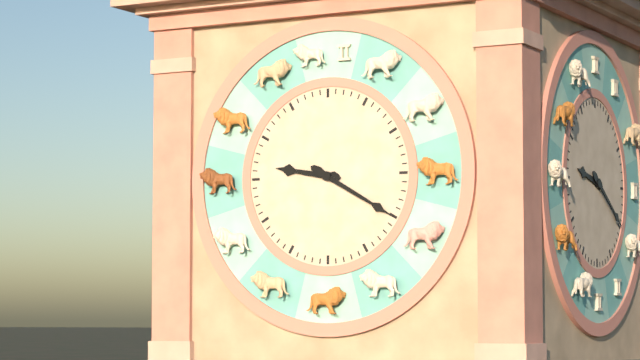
9:20
